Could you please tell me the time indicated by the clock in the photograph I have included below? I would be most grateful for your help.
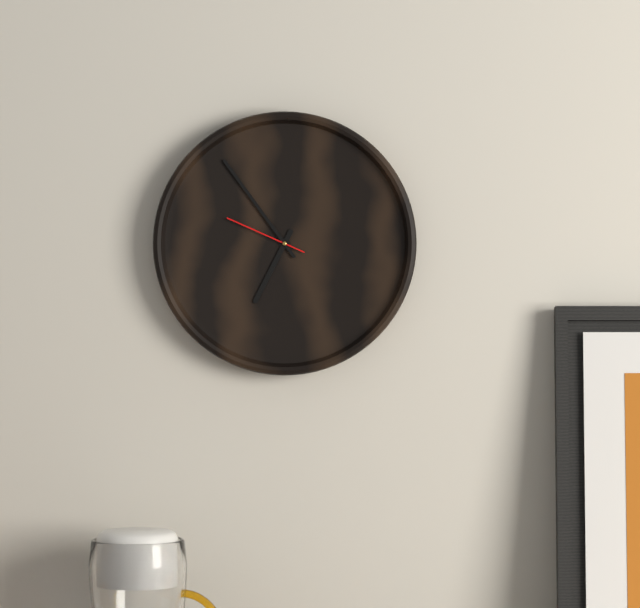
6:54:49
